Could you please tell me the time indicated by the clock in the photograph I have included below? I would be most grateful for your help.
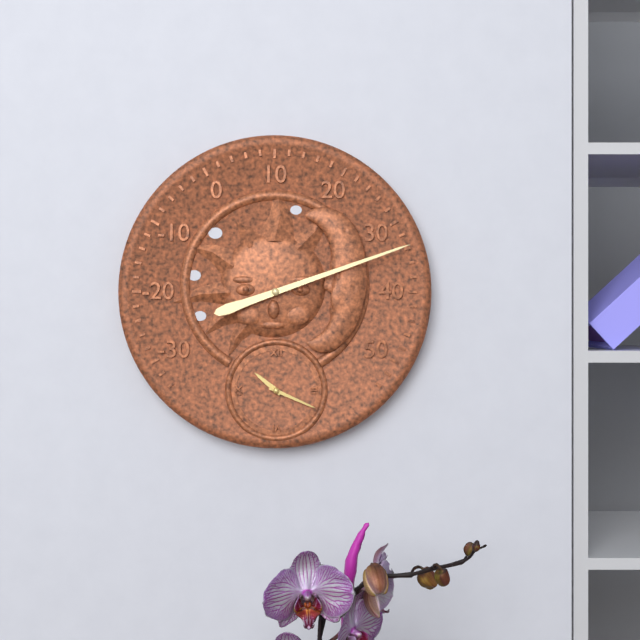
10:19
